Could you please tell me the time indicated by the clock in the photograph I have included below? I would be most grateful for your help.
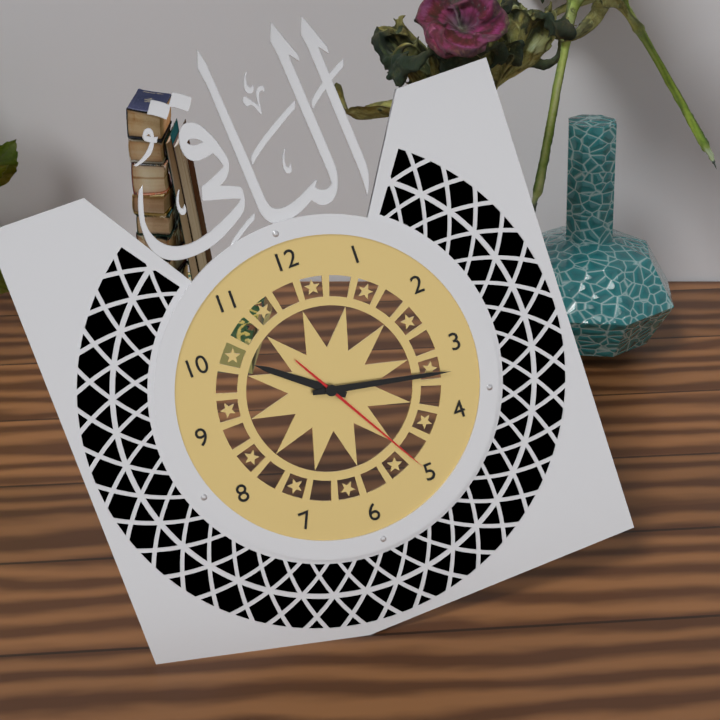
10:17:25
